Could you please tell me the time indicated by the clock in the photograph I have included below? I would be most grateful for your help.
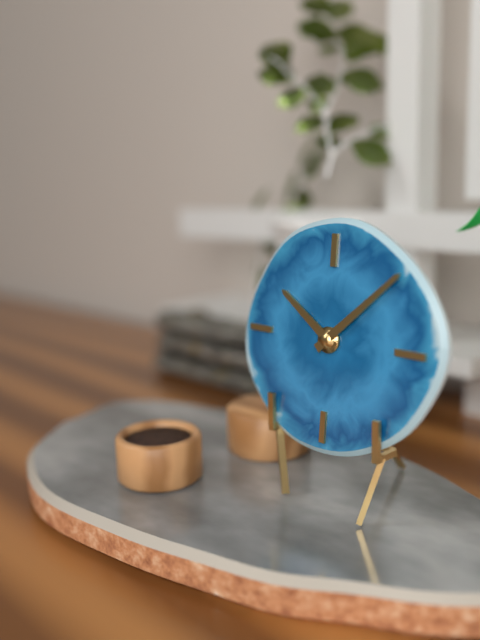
10:08
